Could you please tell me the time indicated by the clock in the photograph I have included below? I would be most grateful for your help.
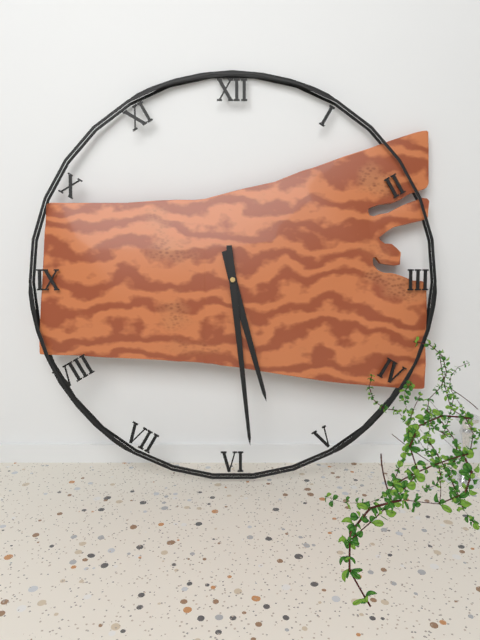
5:29
